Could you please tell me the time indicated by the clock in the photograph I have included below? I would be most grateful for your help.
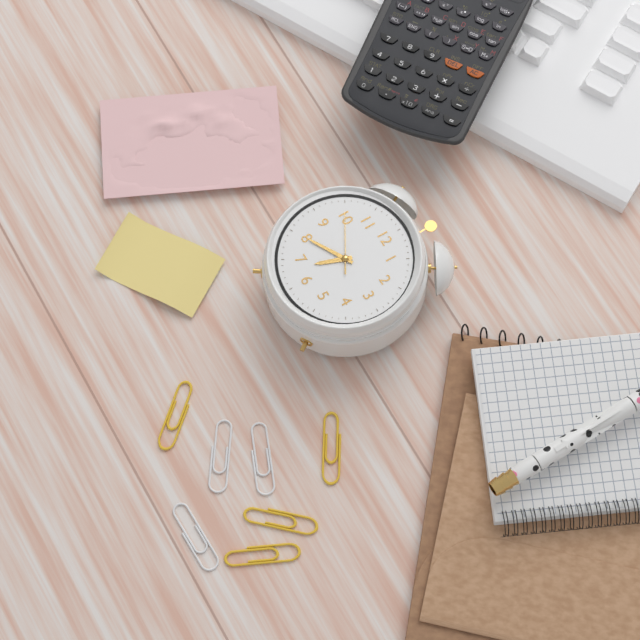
6:40:50
